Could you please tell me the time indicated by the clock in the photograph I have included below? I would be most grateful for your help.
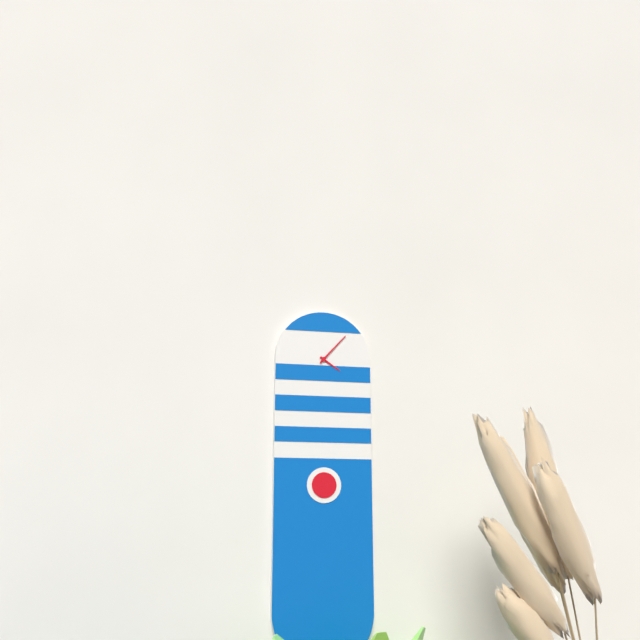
4:07
